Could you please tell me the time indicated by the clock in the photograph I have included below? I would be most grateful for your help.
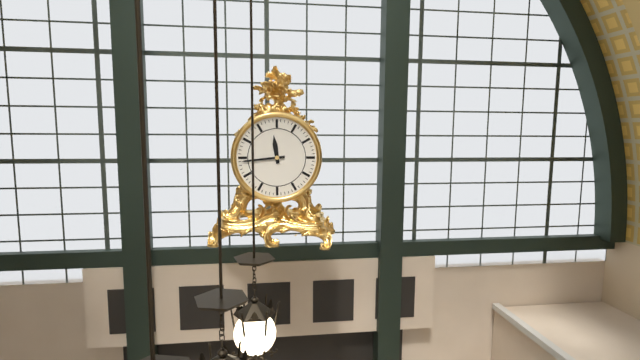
11:44
